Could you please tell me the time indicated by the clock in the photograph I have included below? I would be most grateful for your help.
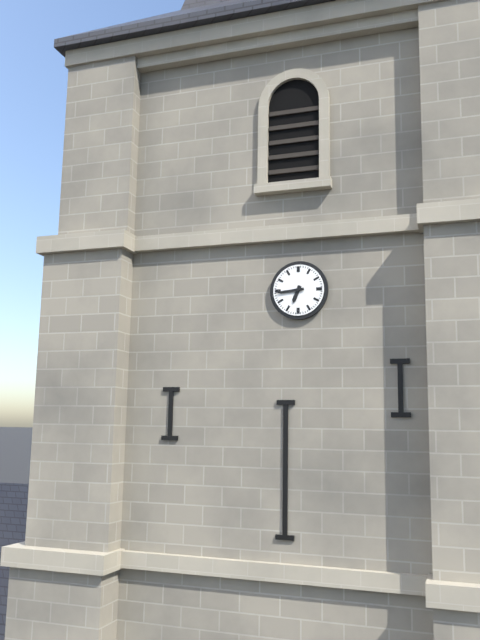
6:44
